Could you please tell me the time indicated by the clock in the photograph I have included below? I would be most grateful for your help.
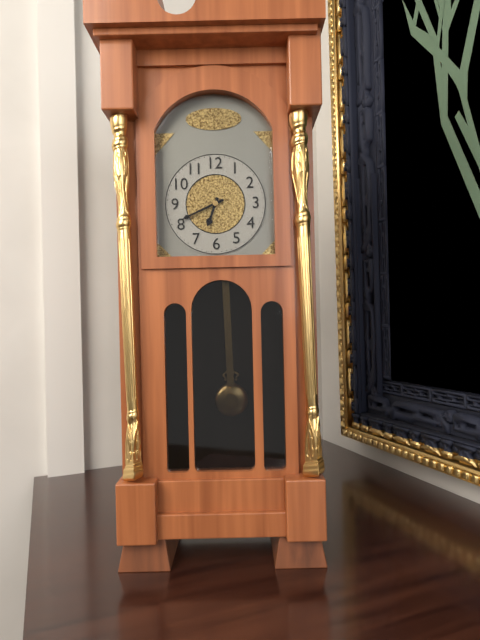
6:41
